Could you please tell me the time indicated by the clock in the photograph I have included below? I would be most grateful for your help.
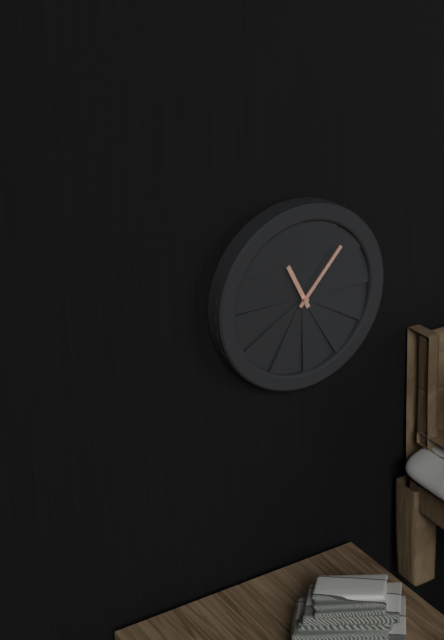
11:07
